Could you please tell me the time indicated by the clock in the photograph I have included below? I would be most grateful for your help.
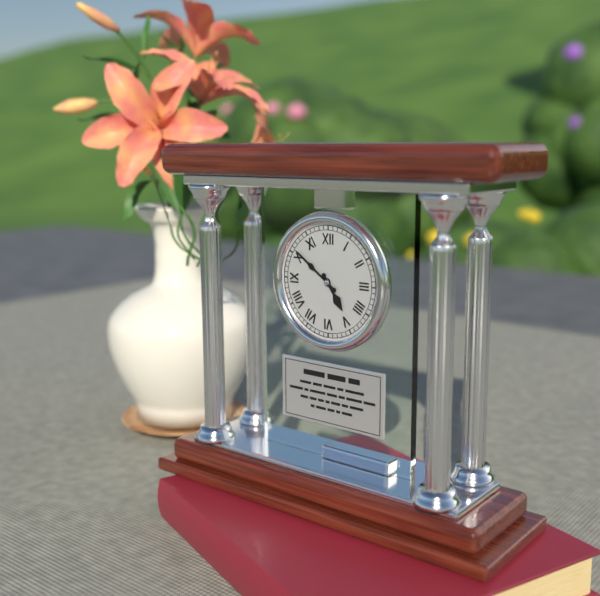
4:51
